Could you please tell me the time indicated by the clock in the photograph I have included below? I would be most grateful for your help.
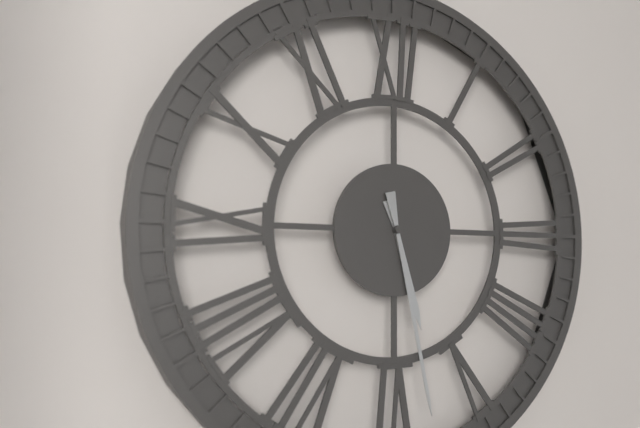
5:28
